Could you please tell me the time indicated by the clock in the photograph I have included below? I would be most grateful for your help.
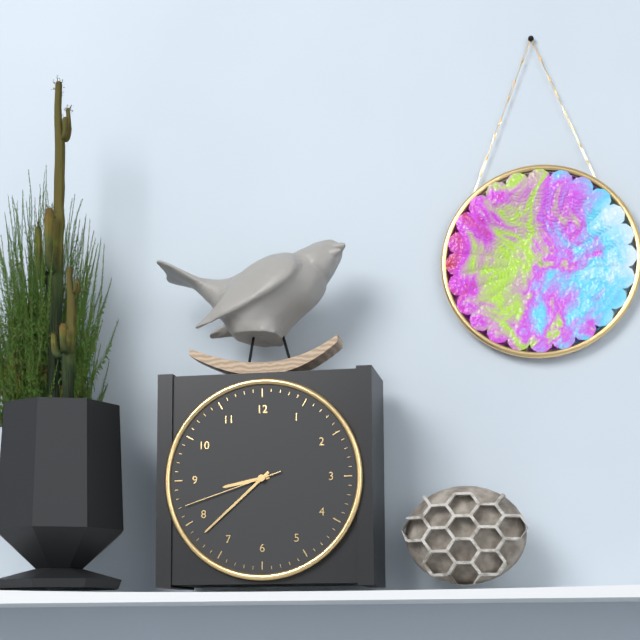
8:38:42
